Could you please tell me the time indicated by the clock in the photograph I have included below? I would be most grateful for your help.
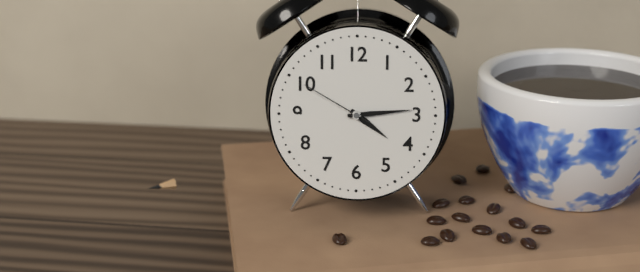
4:14:50
